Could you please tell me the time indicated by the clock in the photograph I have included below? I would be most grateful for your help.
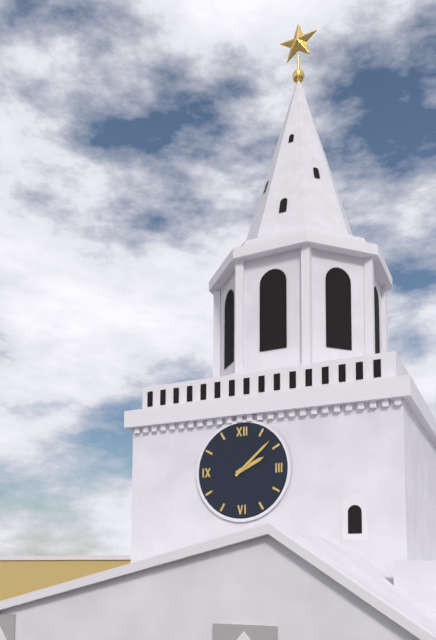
2:08
